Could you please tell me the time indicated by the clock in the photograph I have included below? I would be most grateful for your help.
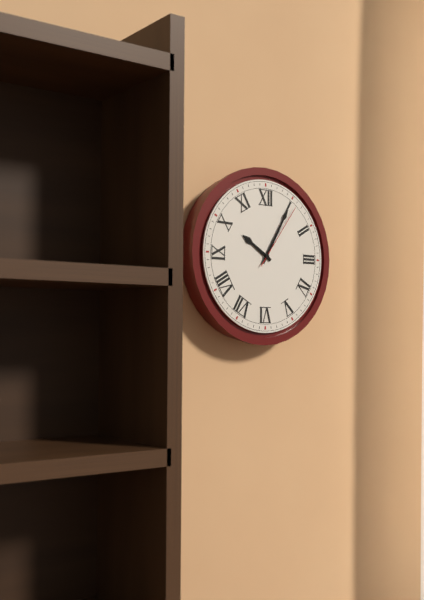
10:05:06
